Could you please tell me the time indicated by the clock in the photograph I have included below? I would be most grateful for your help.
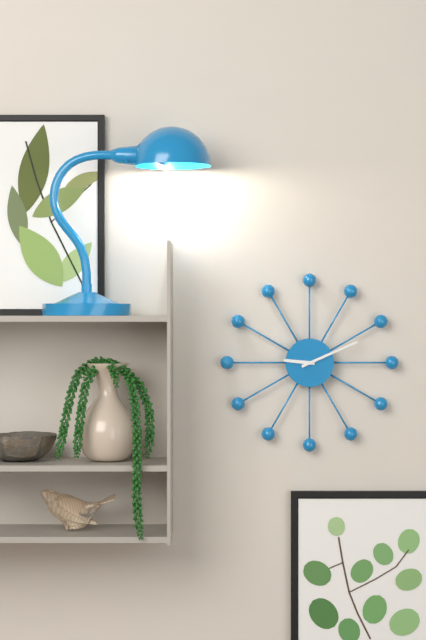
9:11
